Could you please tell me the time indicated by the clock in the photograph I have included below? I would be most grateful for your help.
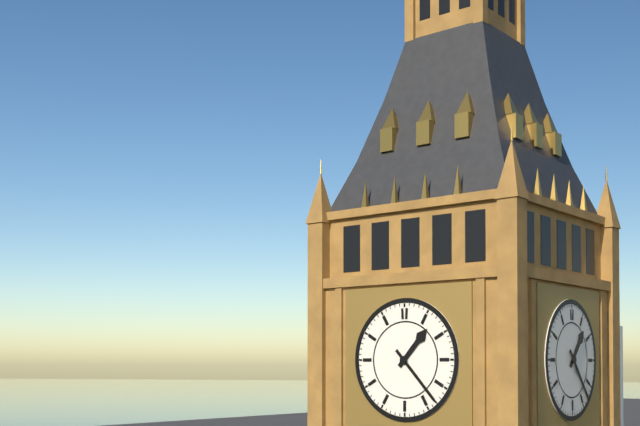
1:23
